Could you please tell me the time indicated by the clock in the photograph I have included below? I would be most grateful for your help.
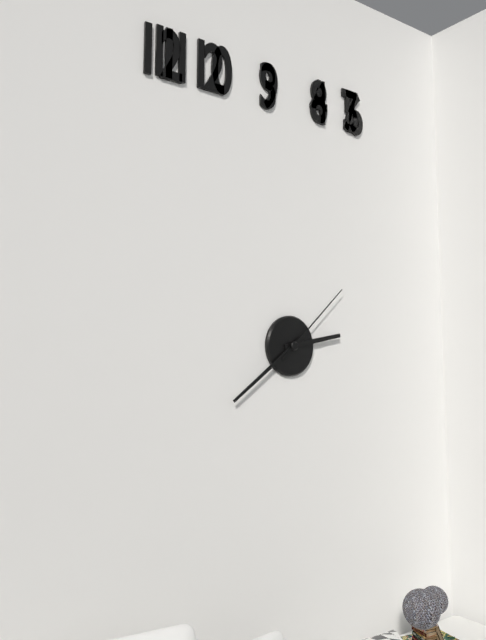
2:39:08
